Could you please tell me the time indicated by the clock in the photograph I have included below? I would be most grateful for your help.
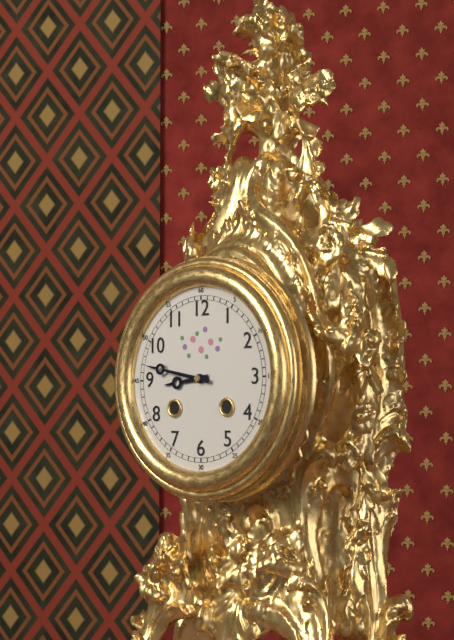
8:47
